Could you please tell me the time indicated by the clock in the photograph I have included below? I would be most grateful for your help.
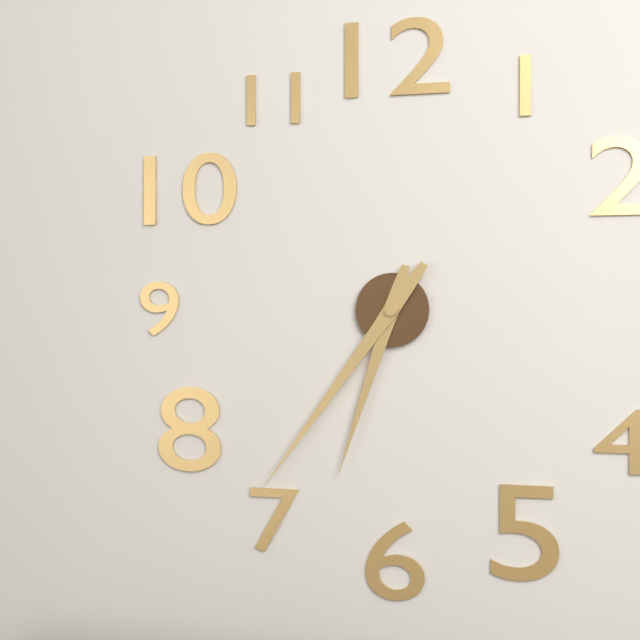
6:36
